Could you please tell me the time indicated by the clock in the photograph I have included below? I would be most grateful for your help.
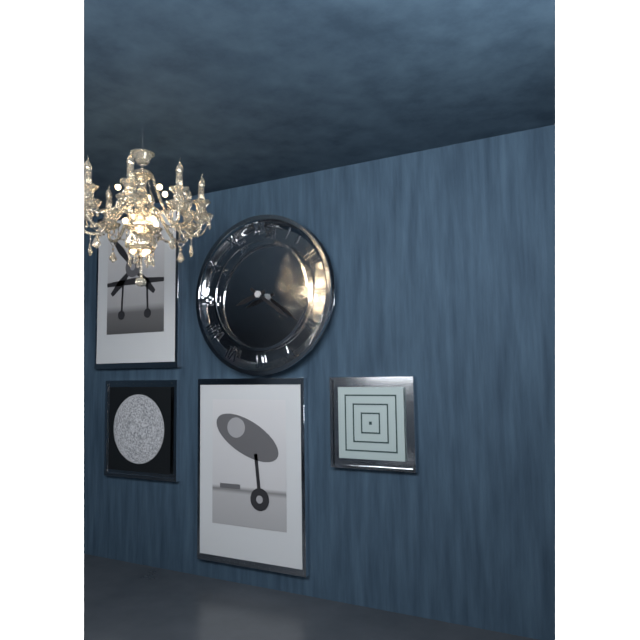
8:21
